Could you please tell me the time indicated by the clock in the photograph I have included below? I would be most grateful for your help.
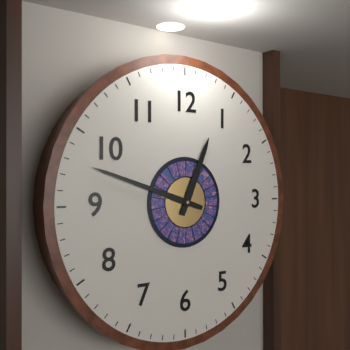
12:48
